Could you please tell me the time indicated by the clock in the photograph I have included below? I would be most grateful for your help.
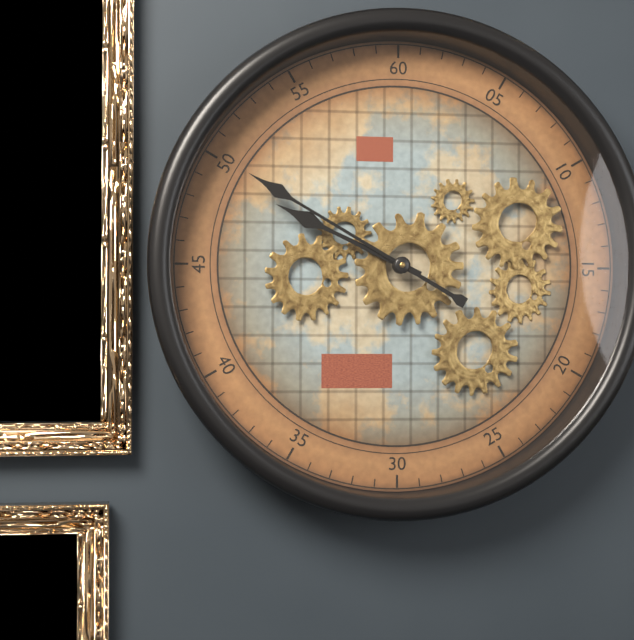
9:50
